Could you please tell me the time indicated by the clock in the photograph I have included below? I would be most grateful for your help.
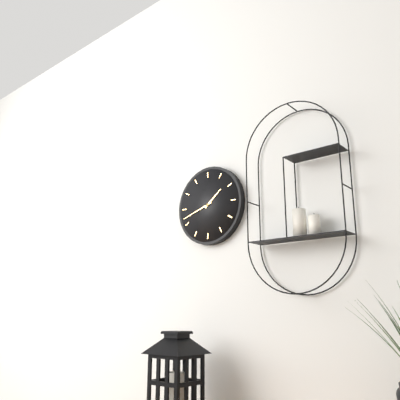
1:42
